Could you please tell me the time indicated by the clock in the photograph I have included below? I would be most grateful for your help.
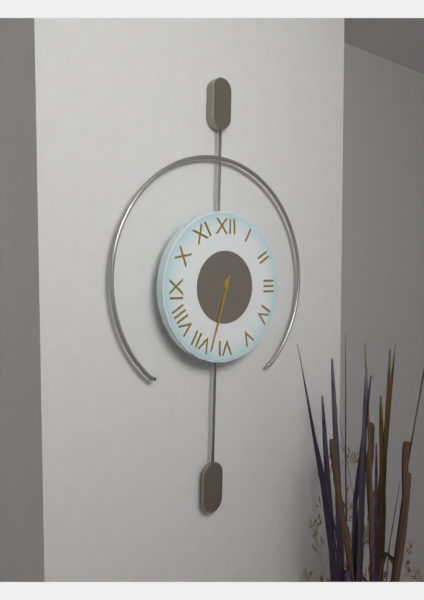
6:33
